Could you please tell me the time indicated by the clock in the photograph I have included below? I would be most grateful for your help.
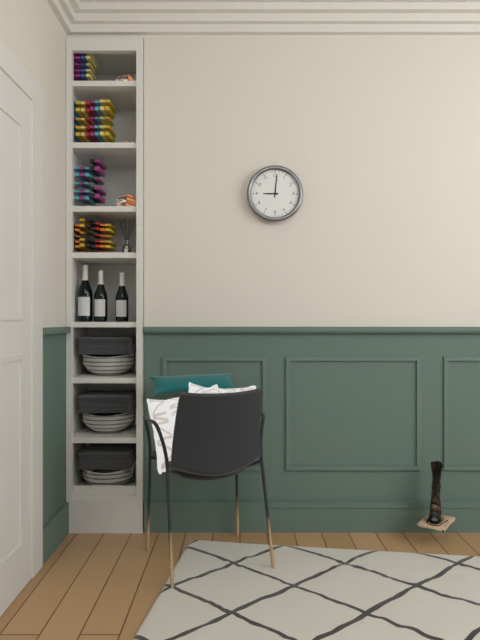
9:01
